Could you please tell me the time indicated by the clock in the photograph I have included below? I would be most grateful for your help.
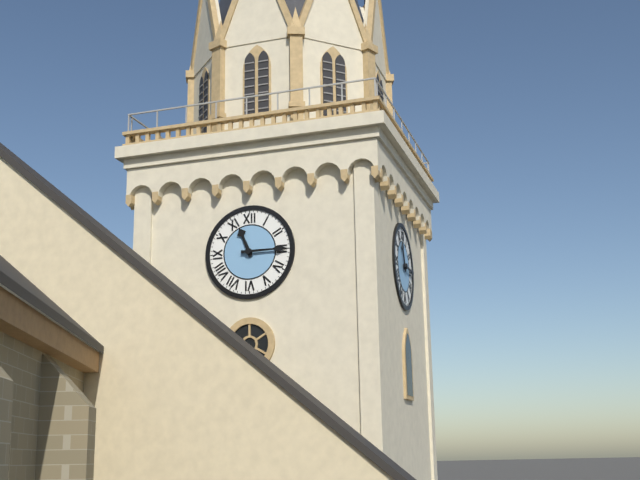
11:15
